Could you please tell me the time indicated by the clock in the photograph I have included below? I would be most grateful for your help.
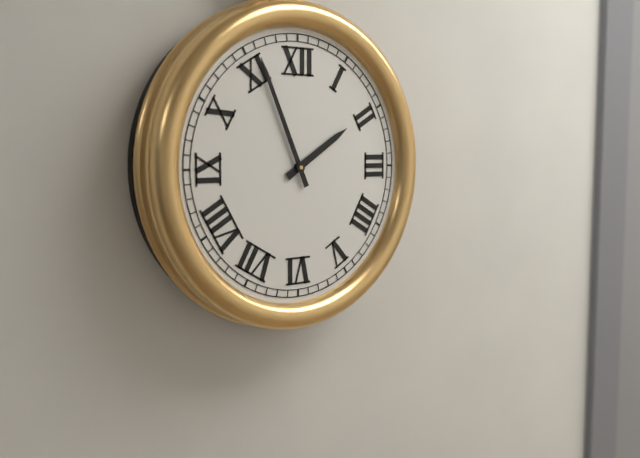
1:56
